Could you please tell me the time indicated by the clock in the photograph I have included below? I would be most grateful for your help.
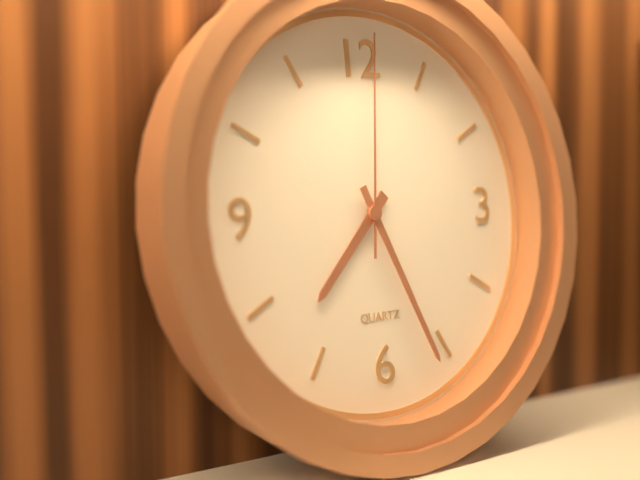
7:26:01
